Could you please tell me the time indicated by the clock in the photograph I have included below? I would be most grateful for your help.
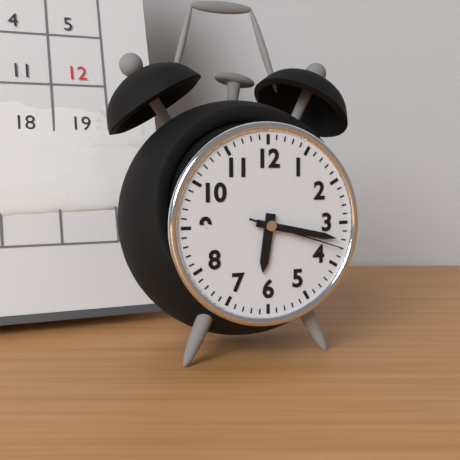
6:17:18
